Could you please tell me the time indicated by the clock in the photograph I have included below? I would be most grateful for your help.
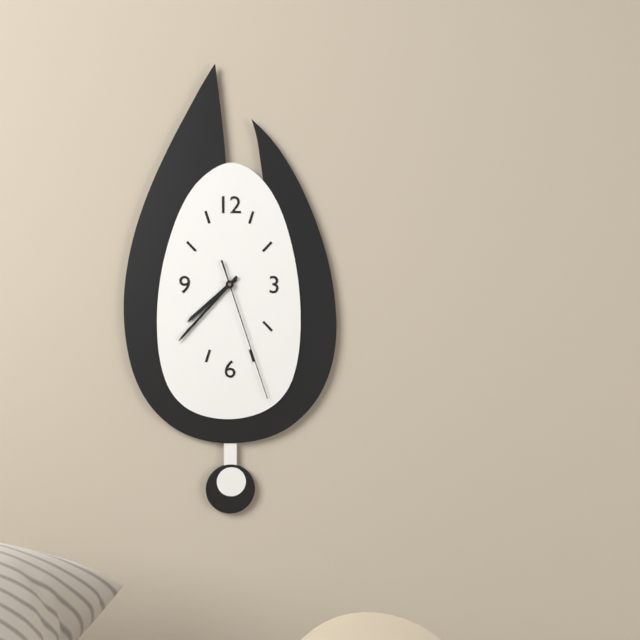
7:37:27
